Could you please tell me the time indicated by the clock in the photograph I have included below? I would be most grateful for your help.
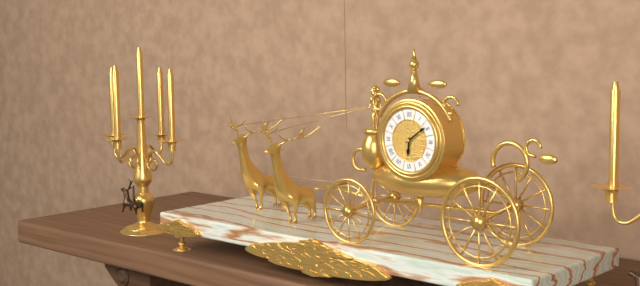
6:09
